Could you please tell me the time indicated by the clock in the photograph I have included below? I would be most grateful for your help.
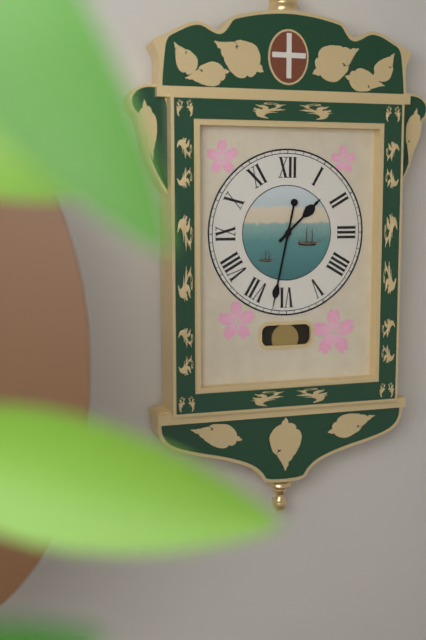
1:32
